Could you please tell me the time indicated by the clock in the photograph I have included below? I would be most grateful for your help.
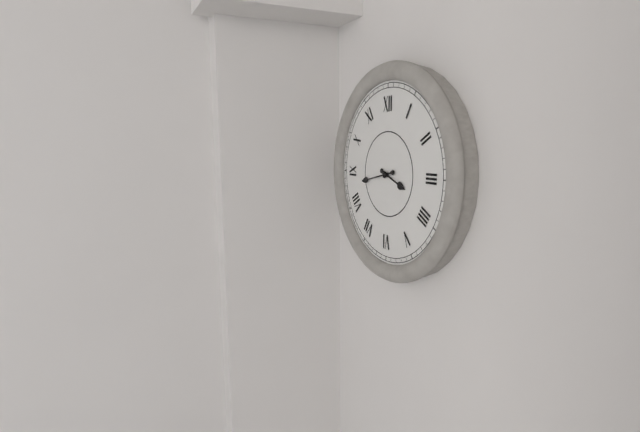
3:43
